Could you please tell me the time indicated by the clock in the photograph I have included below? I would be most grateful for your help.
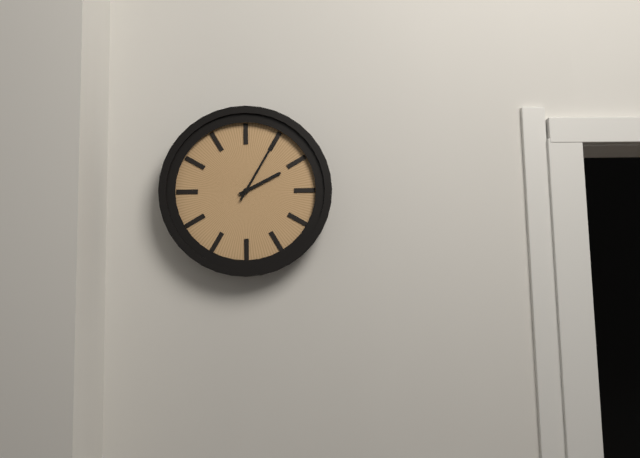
2:05
